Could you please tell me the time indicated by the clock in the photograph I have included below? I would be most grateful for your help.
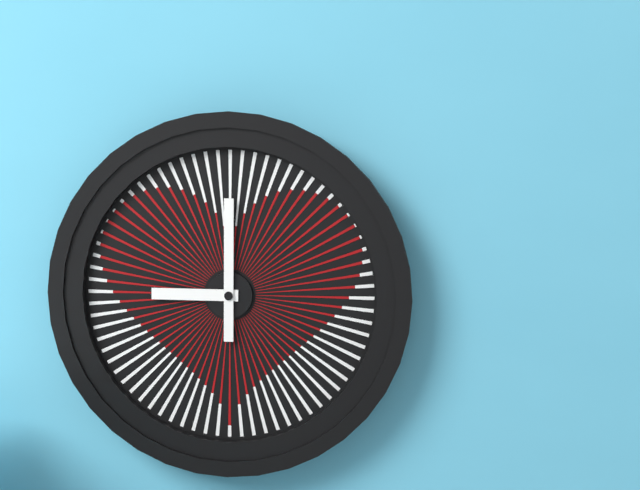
9:00
